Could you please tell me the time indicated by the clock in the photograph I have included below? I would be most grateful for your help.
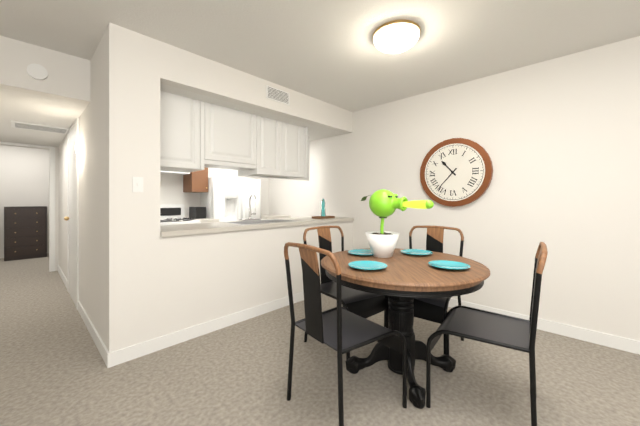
10:37
